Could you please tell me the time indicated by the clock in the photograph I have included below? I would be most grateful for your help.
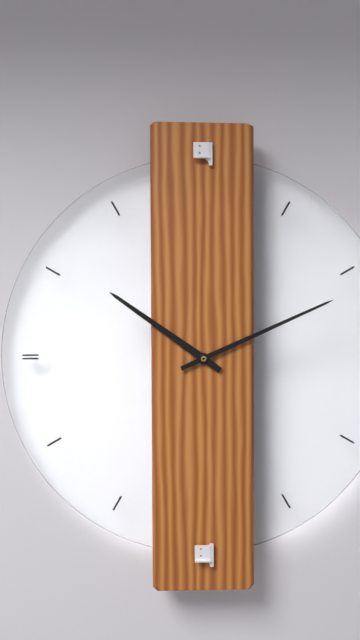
10:11
